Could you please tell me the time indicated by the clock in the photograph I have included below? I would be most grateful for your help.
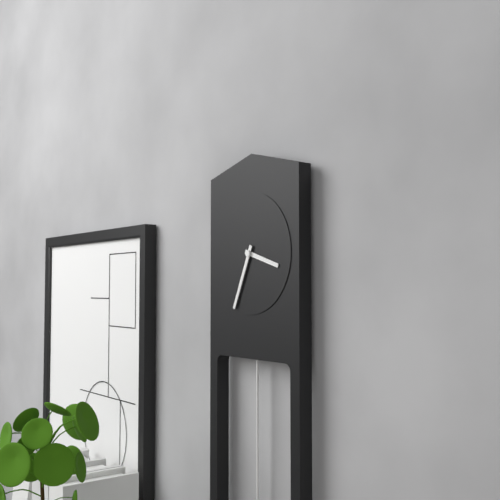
3:34
